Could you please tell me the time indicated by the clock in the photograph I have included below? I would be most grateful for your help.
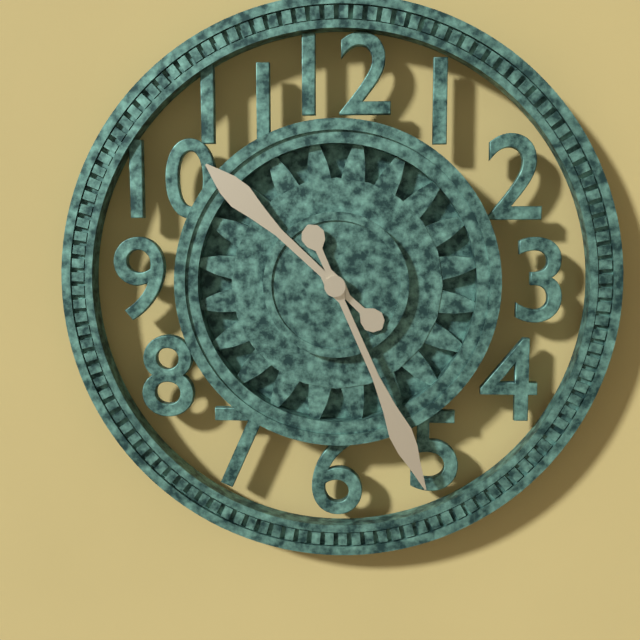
10:26
